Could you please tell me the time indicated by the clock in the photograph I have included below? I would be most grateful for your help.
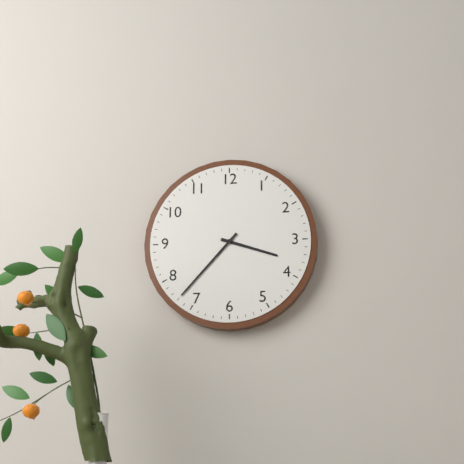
3:37
